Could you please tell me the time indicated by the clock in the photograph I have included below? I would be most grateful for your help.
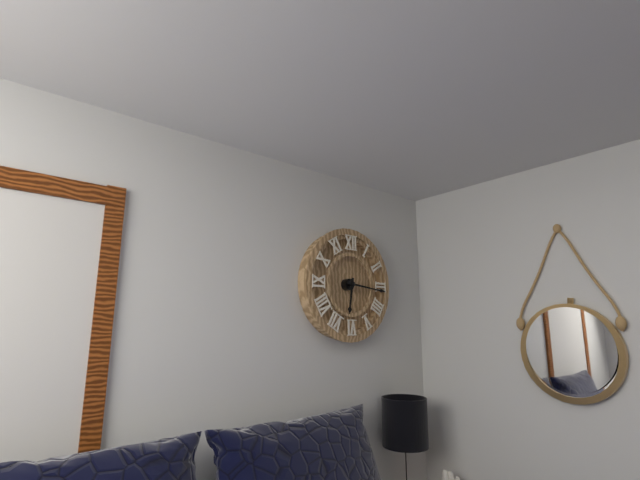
6:16
